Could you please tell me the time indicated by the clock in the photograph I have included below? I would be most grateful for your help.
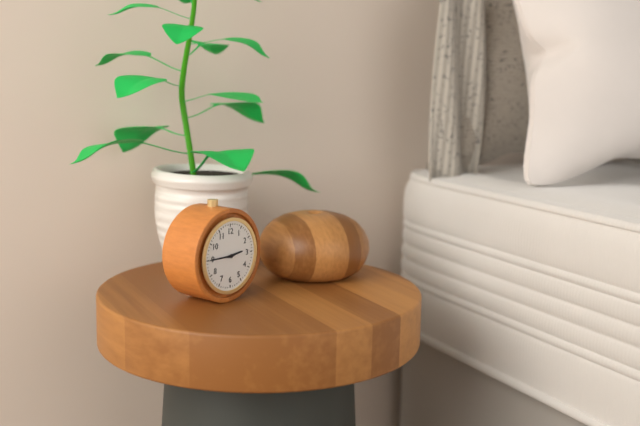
2:45
